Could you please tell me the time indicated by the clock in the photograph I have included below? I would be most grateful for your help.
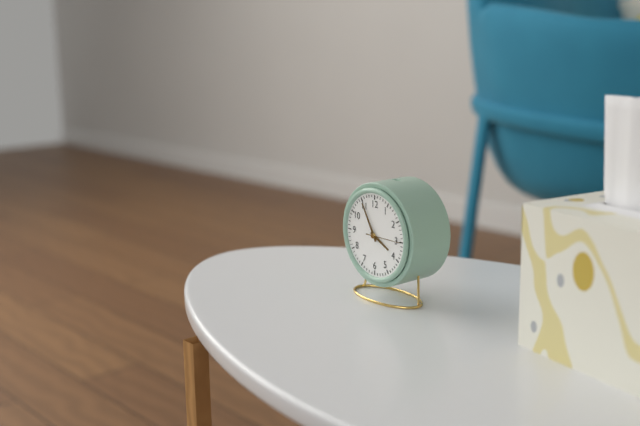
3:55
